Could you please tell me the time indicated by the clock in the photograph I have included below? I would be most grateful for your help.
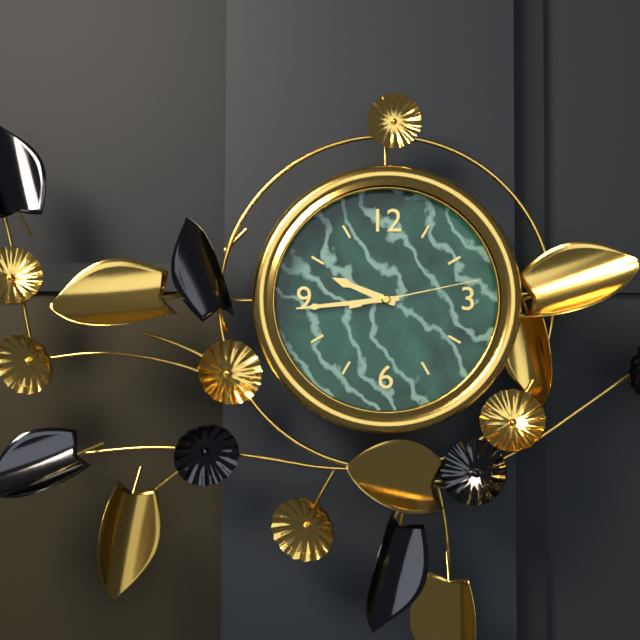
9:44:13
